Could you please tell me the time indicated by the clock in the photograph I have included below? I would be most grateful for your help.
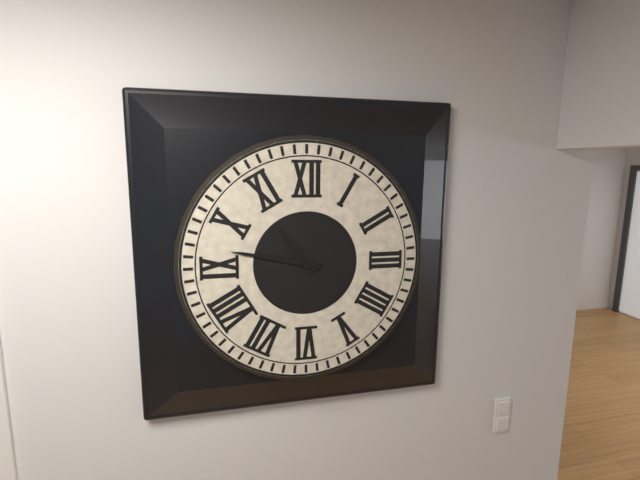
10:47
